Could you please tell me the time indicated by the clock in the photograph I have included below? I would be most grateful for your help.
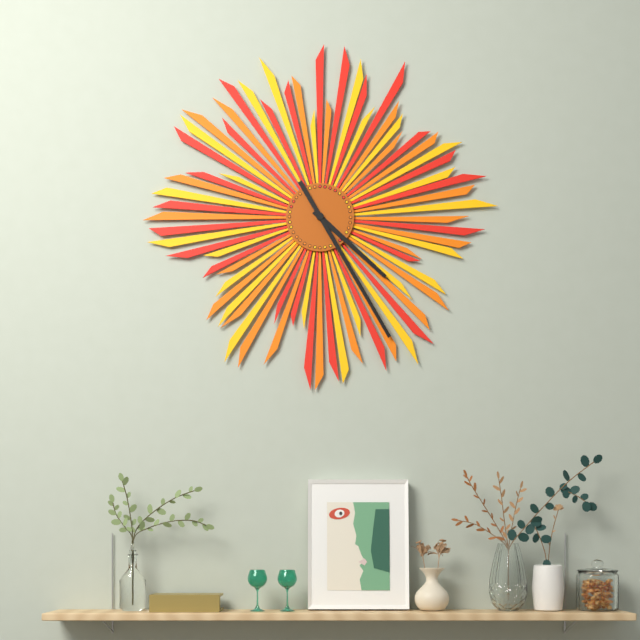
4:25
